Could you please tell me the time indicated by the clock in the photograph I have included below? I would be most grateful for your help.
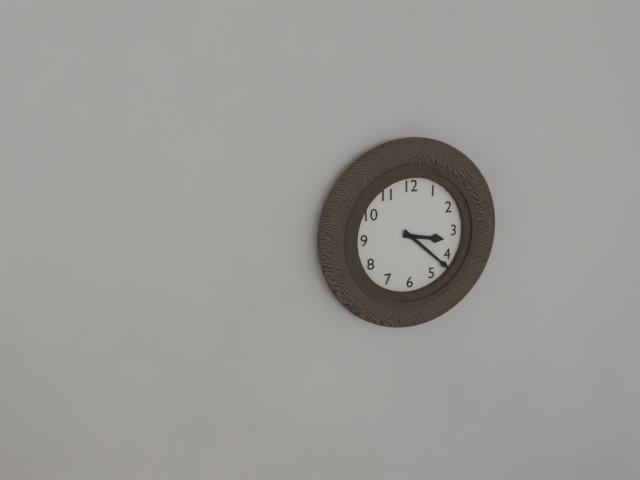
3:22
